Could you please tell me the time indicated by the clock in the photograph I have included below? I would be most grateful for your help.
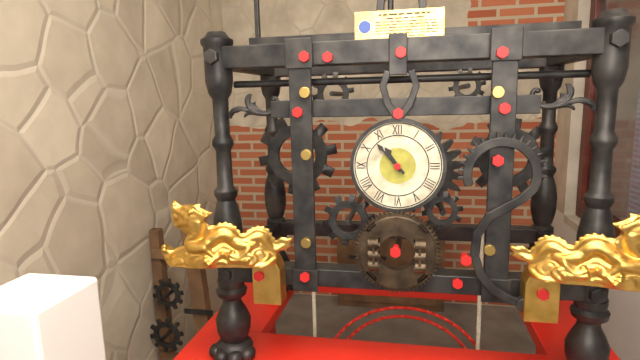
10:53
